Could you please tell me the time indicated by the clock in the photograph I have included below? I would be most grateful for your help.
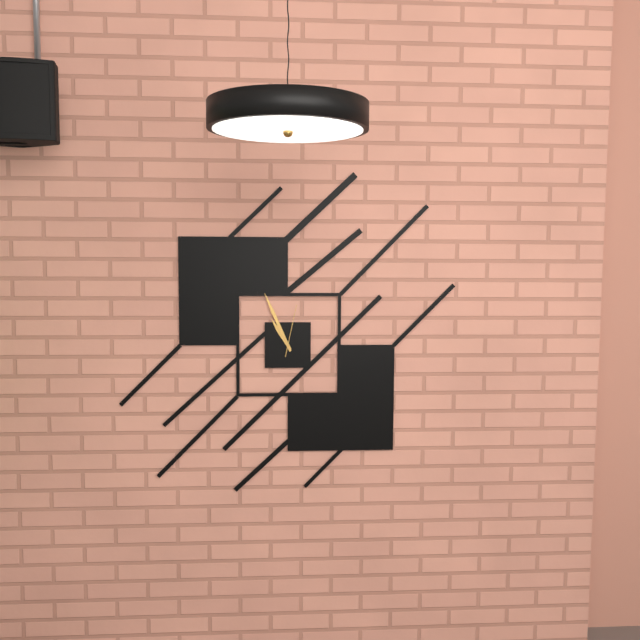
10:56:02
